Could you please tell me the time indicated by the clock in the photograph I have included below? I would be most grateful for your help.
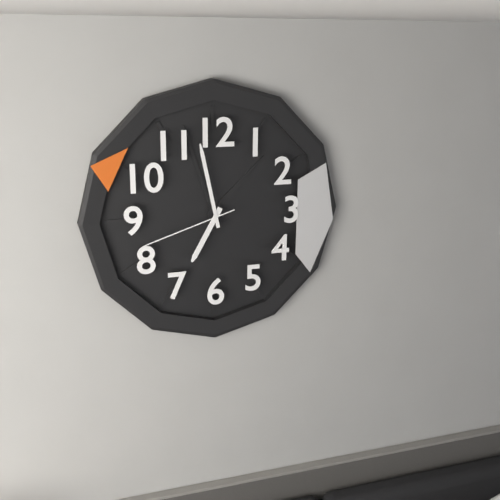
6:58:42
